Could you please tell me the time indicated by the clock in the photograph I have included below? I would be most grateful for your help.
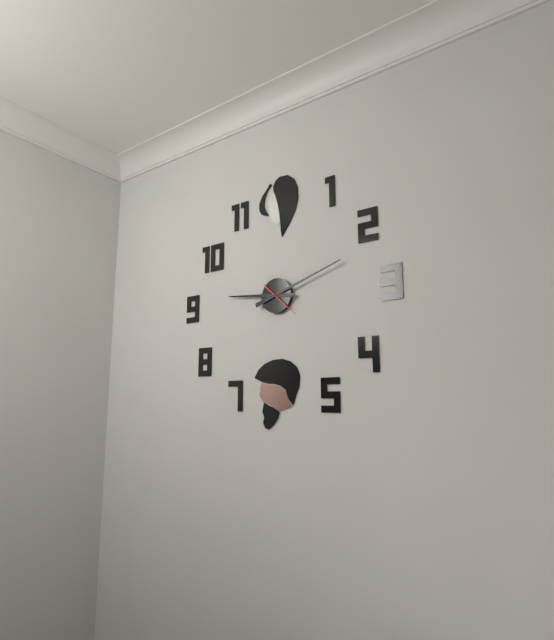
9:12
